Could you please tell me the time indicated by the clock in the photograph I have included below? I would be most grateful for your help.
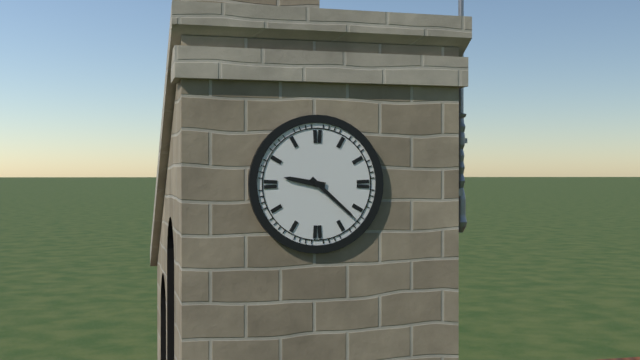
9:22
